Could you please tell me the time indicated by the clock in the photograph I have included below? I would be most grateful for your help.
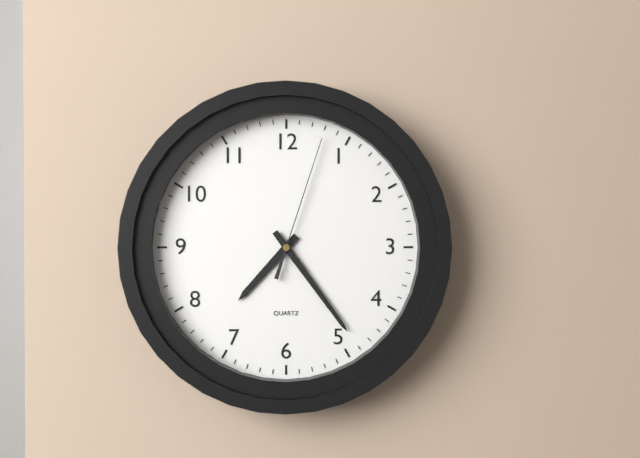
7:24:03
